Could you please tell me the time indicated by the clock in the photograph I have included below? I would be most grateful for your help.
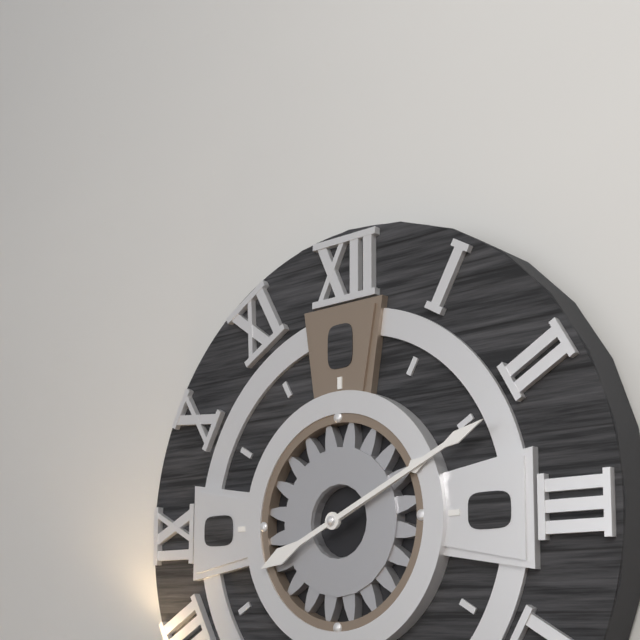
2:11
